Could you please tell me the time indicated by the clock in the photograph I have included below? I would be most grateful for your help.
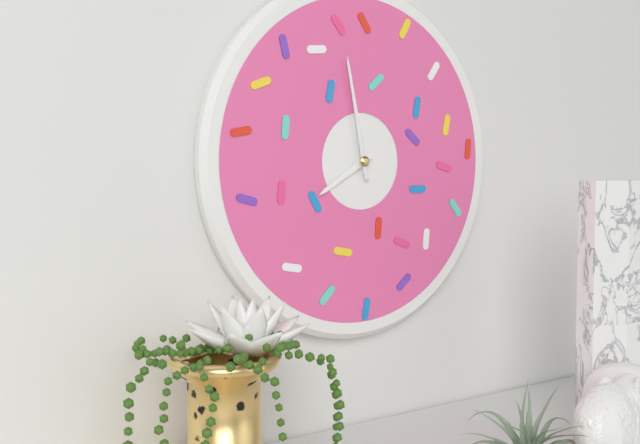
7:58
